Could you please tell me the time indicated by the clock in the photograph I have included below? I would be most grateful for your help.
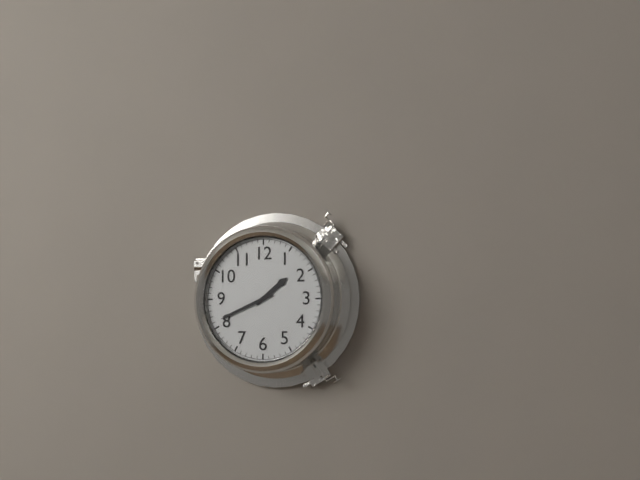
1:41
